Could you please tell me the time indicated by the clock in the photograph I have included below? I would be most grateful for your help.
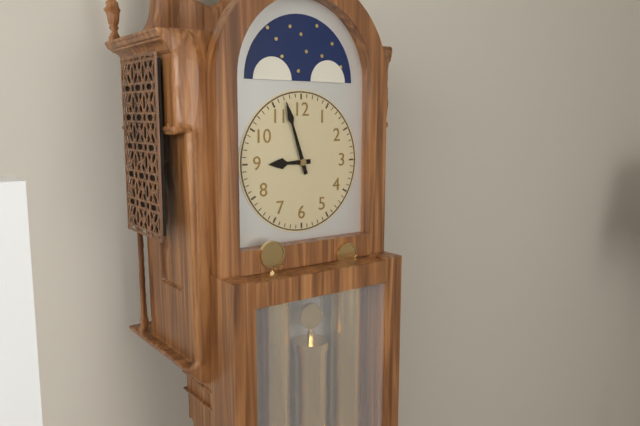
8:57
